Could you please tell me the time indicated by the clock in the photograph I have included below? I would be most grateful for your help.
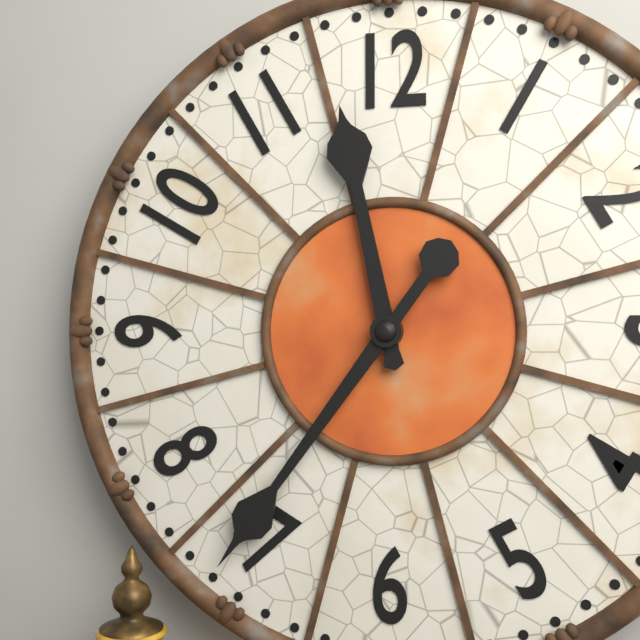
11:36
